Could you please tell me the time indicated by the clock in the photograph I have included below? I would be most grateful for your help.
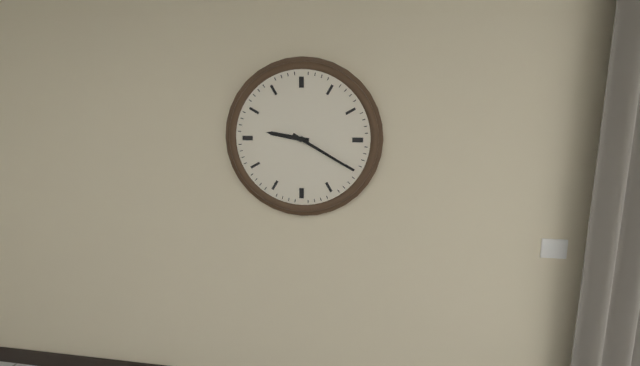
9:20
